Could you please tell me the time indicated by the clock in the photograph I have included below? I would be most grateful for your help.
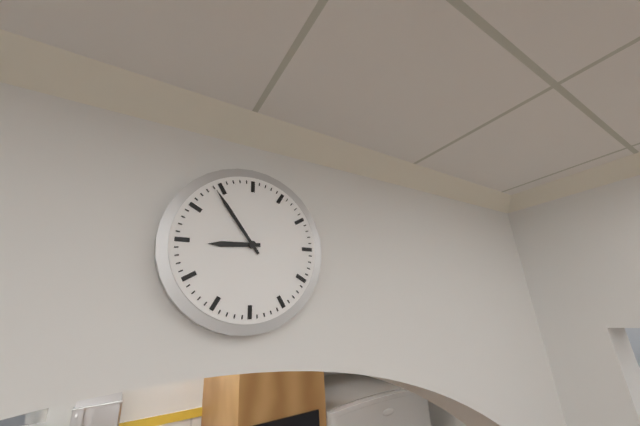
8:54
